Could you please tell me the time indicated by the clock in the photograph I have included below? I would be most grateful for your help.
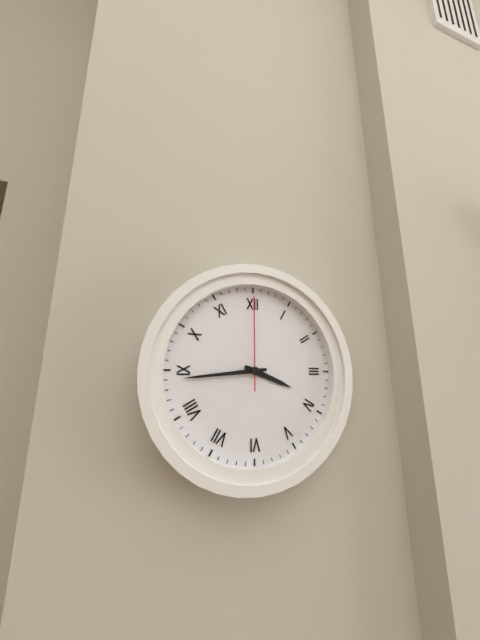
3:44:00
